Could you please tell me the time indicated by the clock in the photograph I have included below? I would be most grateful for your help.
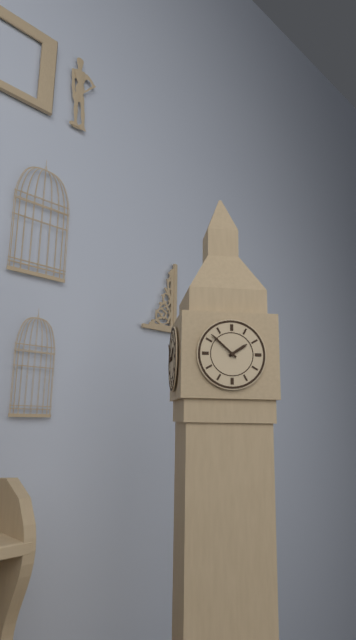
1:52
